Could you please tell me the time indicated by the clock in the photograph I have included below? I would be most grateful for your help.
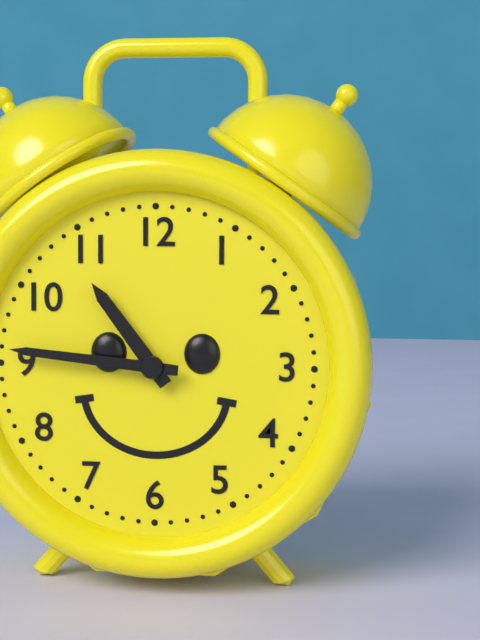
10:46
